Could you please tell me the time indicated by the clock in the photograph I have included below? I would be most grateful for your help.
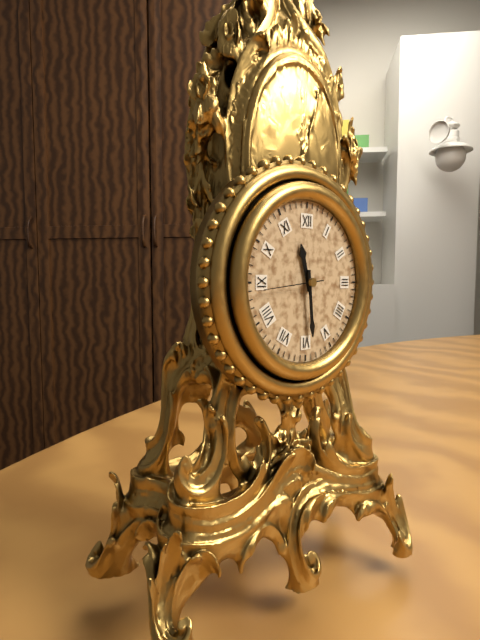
11:29:44
